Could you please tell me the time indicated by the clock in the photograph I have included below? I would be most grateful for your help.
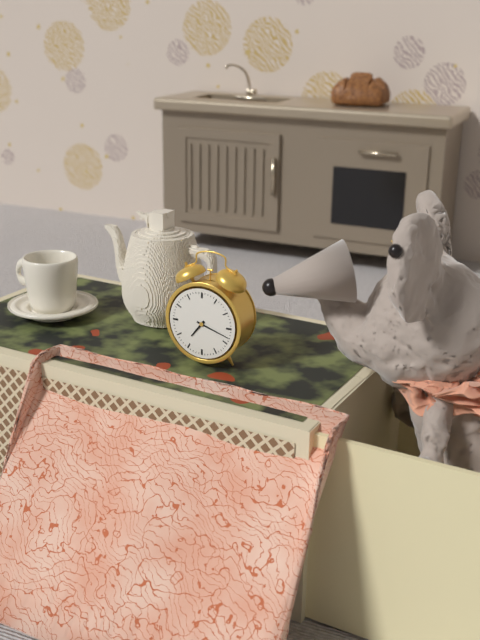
7:18
